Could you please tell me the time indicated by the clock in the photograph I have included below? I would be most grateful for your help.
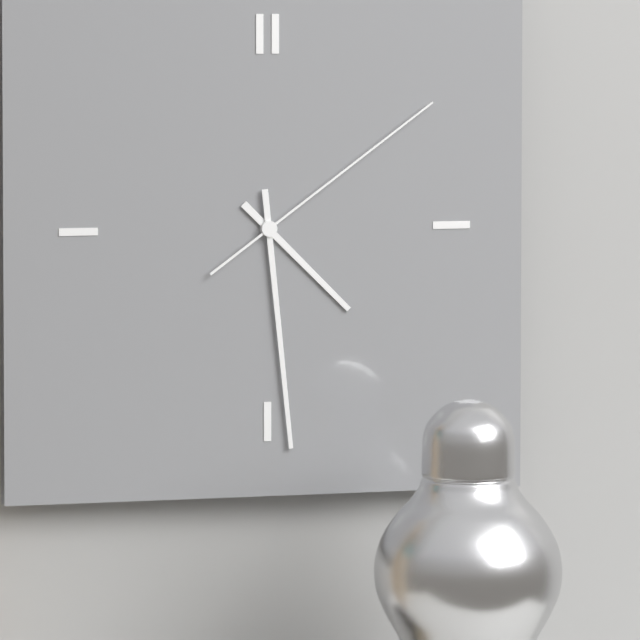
4:29:09
